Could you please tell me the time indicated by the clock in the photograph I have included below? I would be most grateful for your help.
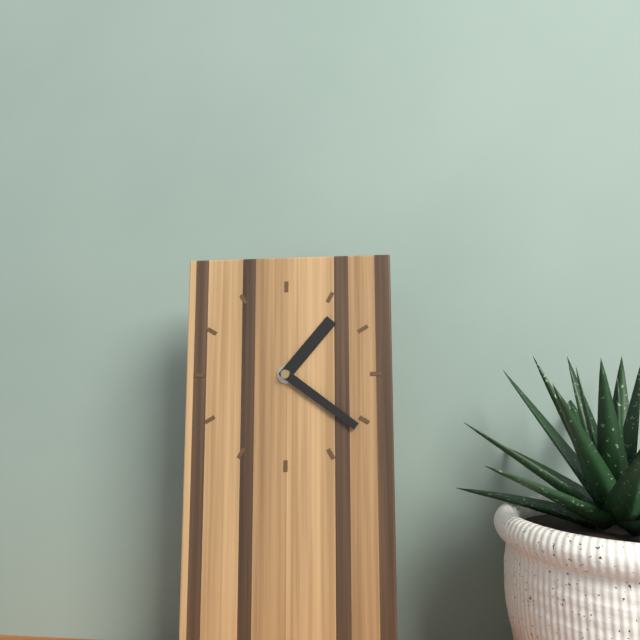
1:21
